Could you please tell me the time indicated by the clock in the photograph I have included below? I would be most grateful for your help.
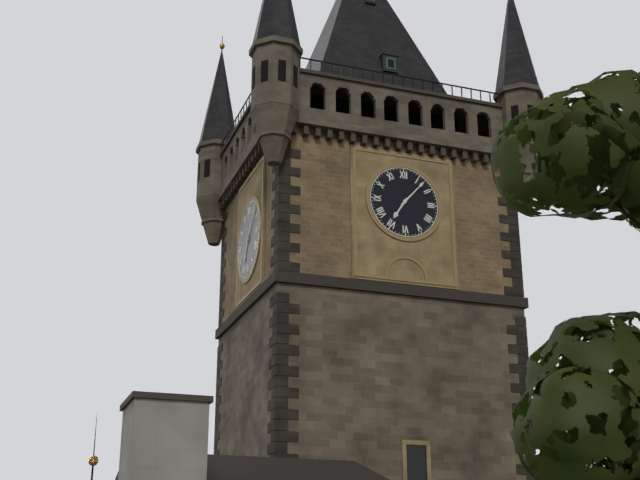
7:07
